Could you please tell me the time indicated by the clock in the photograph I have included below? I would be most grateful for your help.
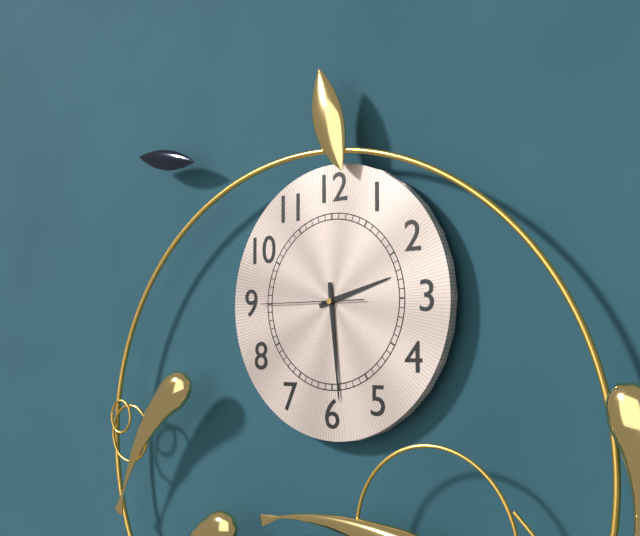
2:29:45
